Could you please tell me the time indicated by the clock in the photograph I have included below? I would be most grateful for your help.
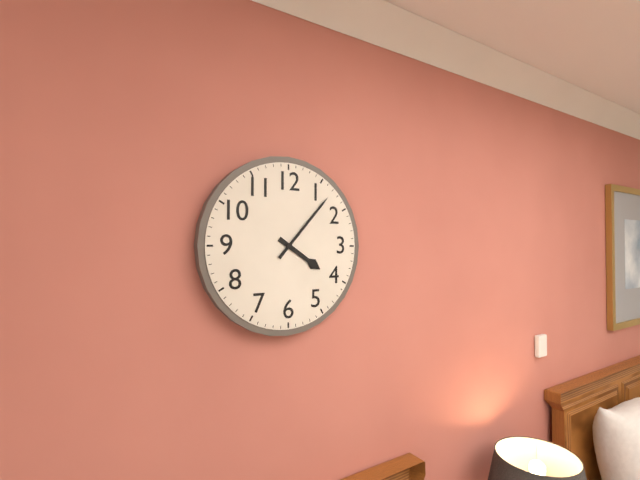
4:07
